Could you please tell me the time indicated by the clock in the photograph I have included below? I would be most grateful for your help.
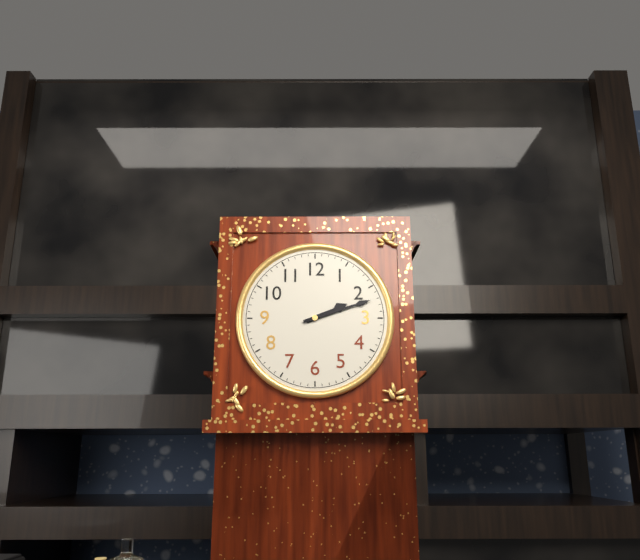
2:12
